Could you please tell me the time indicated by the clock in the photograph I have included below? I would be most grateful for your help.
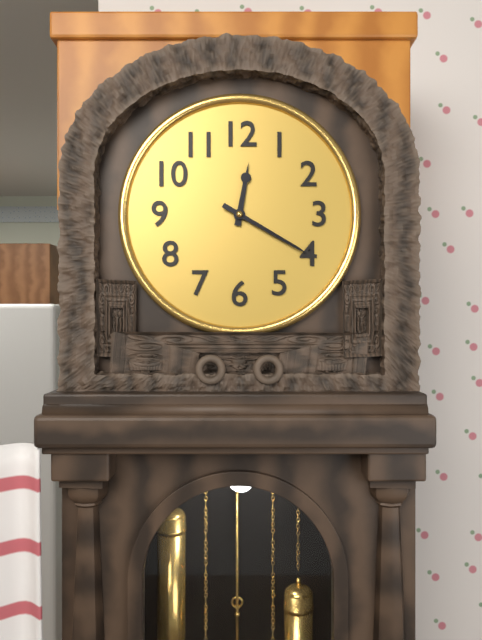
12:20
